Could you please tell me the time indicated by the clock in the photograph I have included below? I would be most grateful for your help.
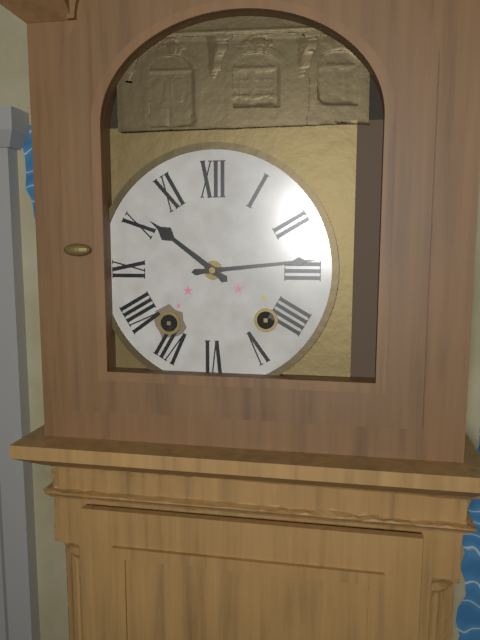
10:14
